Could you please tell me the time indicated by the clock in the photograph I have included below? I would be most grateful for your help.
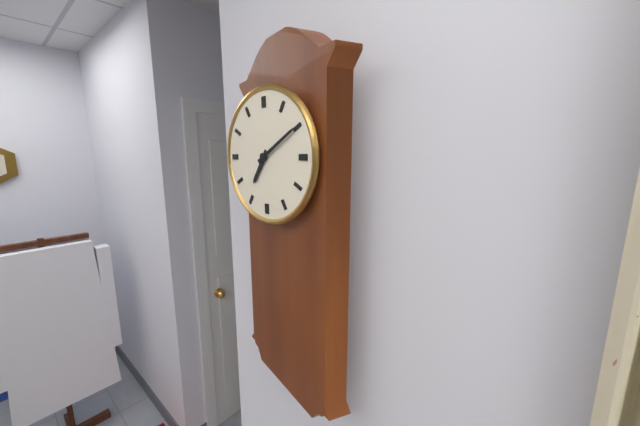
7:10
